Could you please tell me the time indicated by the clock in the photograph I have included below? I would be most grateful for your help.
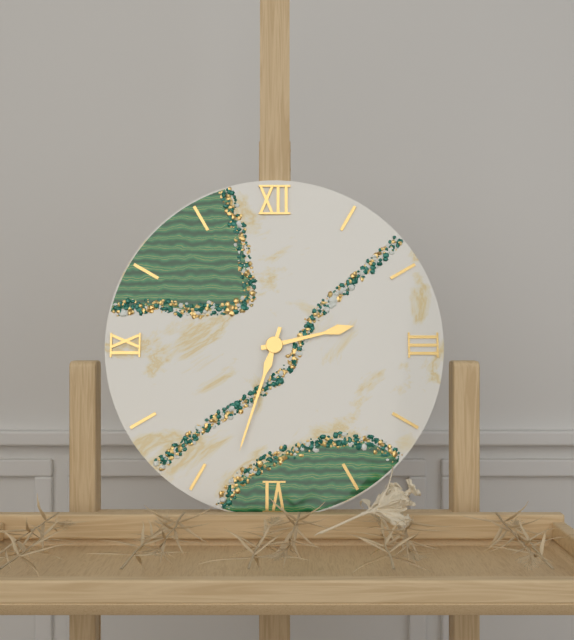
2:33
